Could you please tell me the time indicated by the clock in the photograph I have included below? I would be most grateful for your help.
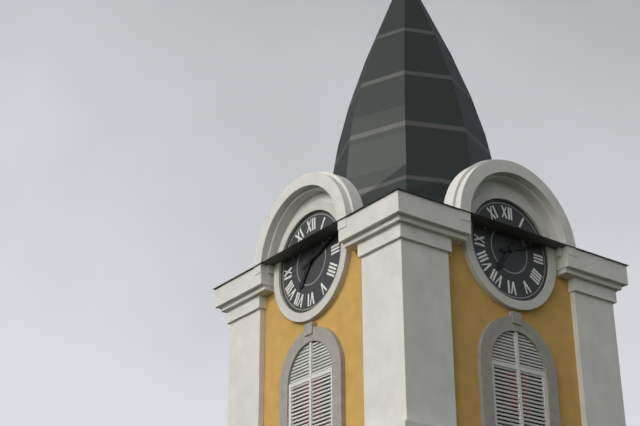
7:12
